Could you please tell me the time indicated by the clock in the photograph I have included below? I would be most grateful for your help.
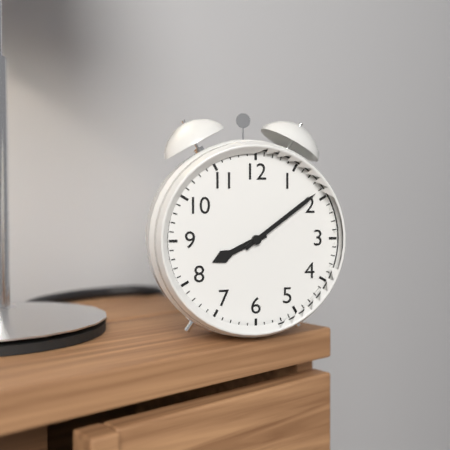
8:09
